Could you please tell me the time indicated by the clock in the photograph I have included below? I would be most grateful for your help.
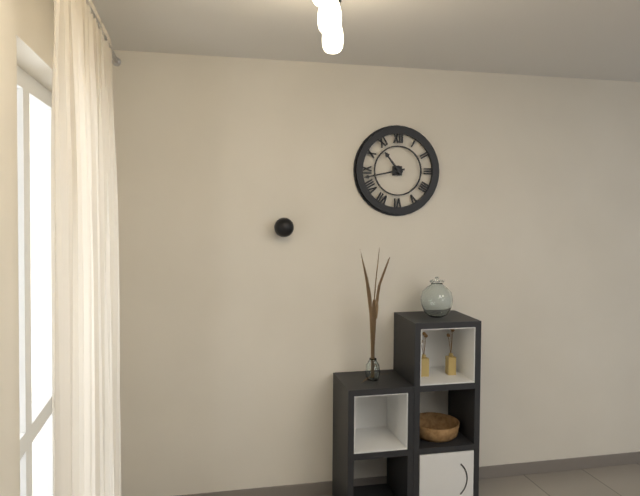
10:43
